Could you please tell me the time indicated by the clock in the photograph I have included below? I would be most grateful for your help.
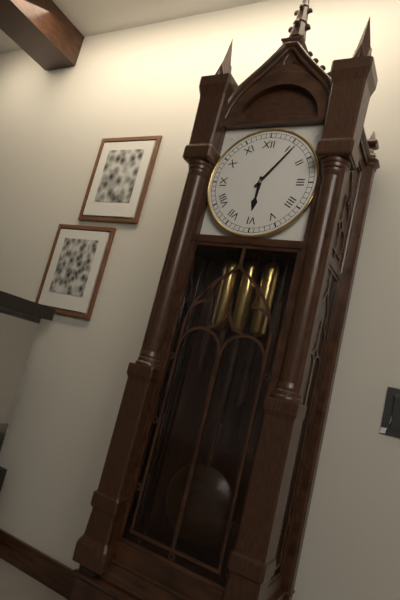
6:06
